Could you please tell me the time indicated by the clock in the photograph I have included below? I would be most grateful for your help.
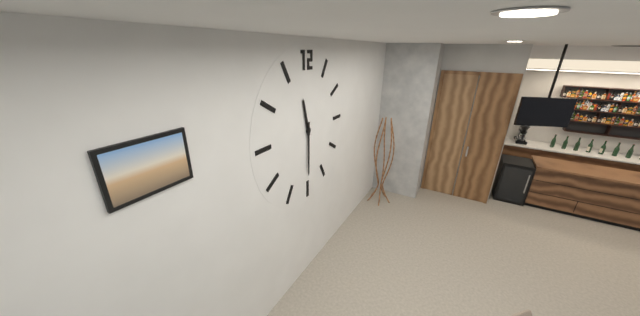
11:30
